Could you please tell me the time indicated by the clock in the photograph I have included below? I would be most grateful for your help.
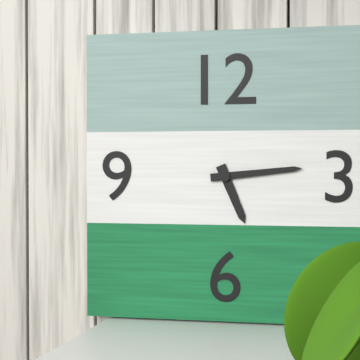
5:14
